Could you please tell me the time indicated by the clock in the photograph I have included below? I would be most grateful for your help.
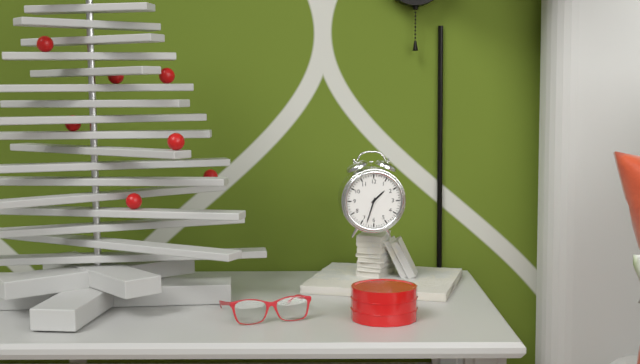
1:33
